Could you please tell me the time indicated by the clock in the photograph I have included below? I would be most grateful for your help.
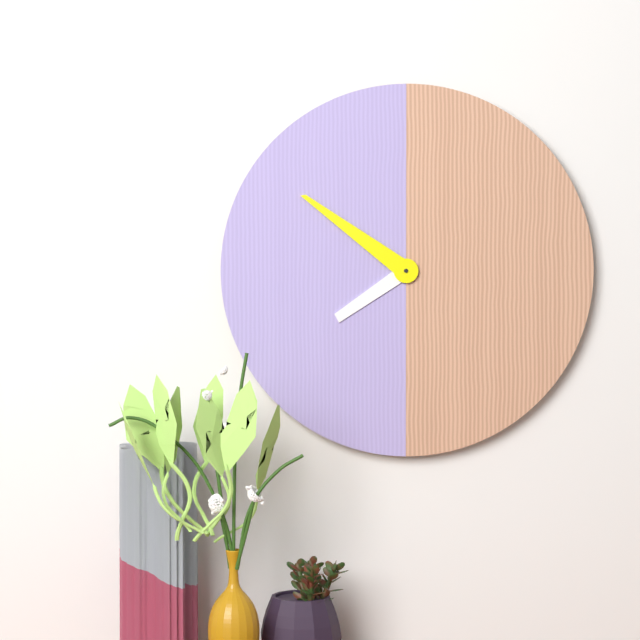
7:51
